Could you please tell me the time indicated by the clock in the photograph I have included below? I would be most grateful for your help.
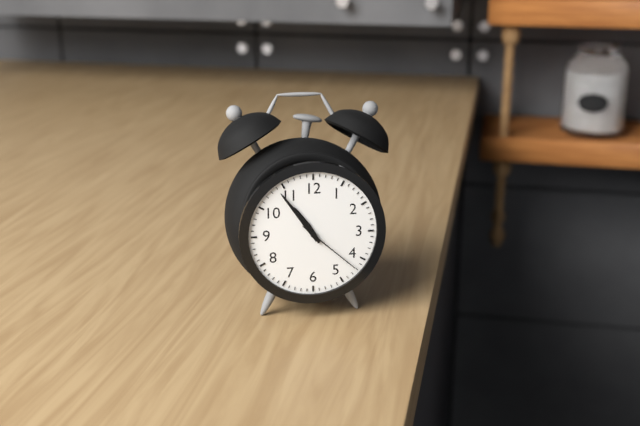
10:54:22
